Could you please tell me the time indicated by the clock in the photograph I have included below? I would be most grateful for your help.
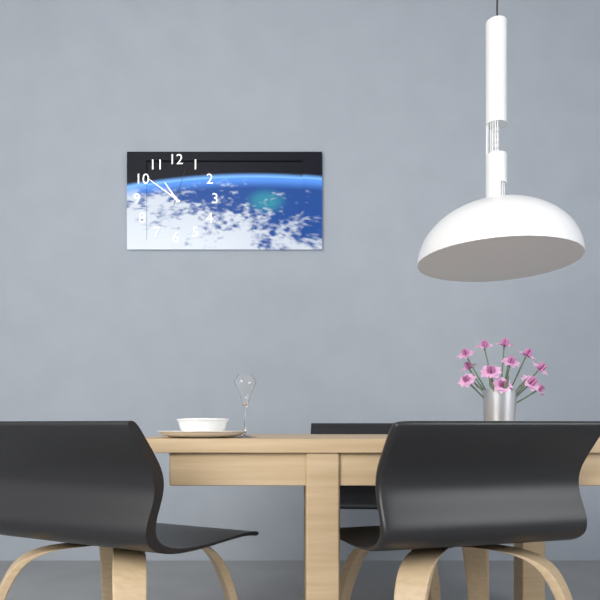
10:51
